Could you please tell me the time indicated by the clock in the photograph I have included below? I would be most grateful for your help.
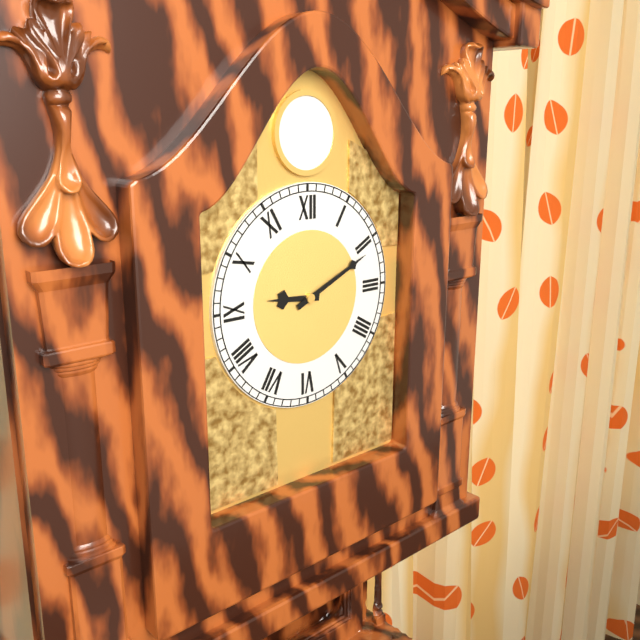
9:11
